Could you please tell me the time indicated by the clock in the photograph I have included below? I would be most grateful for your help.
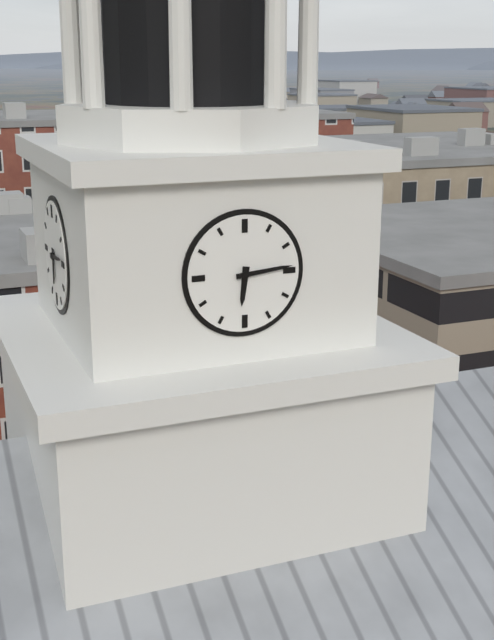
6:14
